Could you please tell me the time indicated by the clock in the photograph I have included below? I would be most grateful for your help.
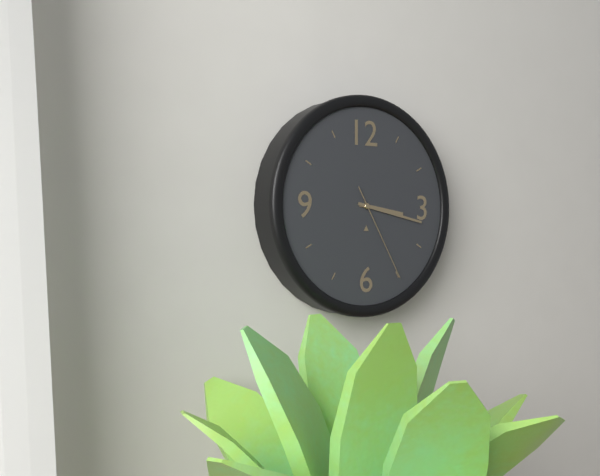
3:17:25
